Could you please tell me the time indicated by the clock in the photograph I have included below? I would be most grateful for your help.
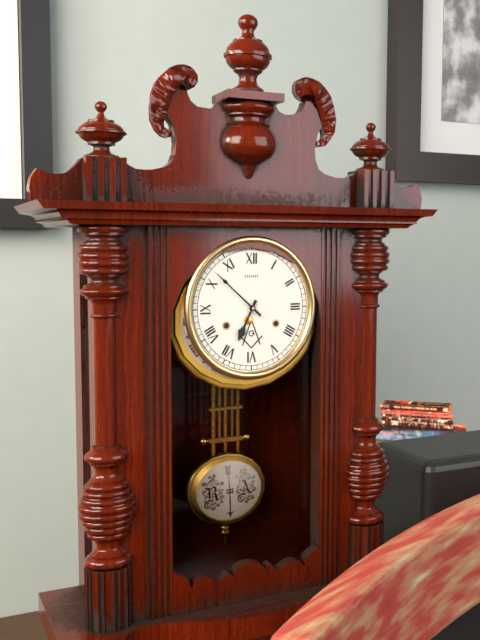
6:52
